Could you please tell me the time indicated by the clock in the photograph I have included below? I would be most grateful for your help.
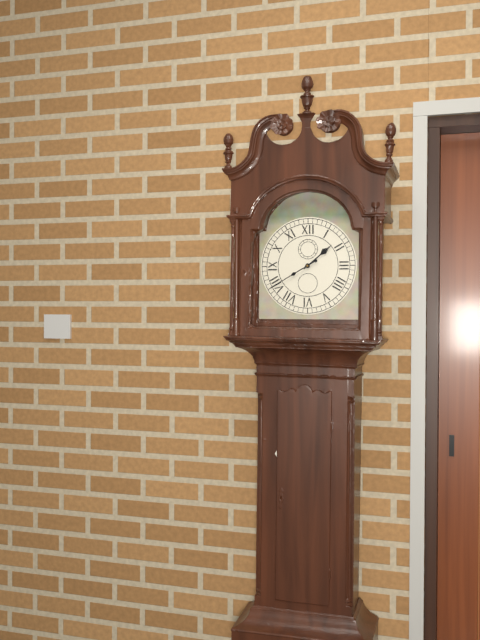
1:40
